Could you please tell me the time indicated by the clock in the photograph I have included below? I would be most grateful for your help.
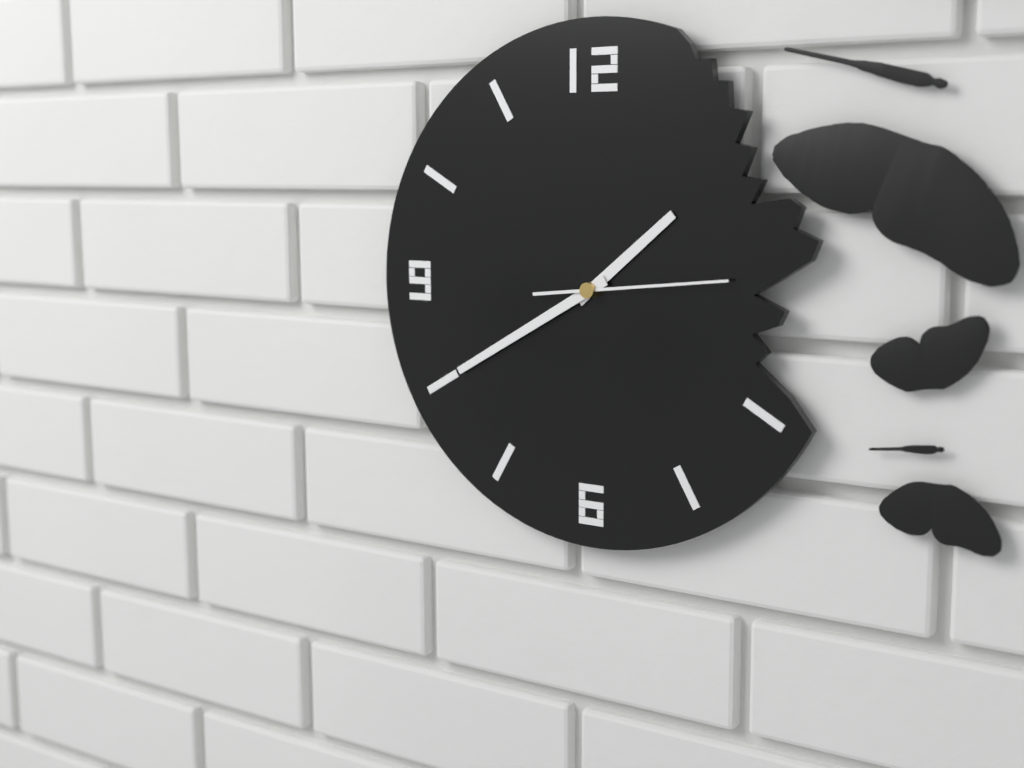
1:40:14
